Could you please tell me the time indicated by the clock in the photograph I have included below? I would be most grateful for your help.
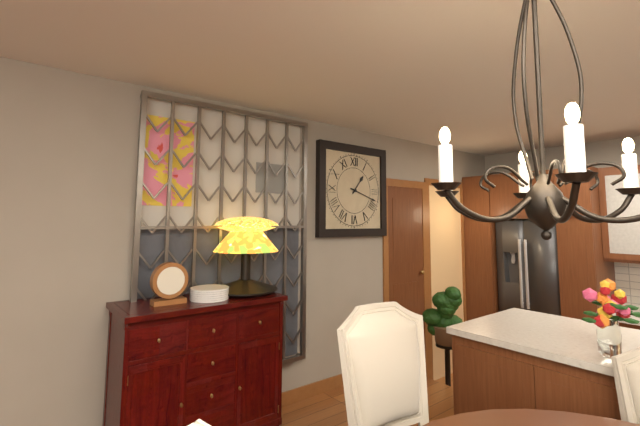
1:18
